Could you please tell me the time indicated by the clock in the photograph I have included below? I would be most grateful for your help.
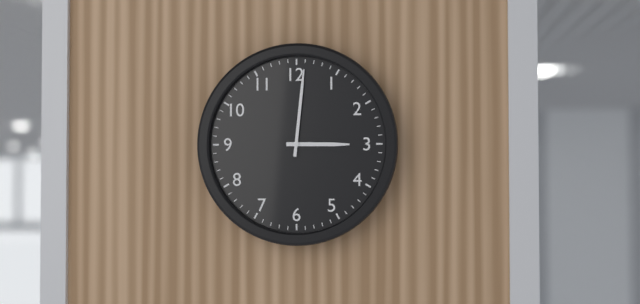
3:01
